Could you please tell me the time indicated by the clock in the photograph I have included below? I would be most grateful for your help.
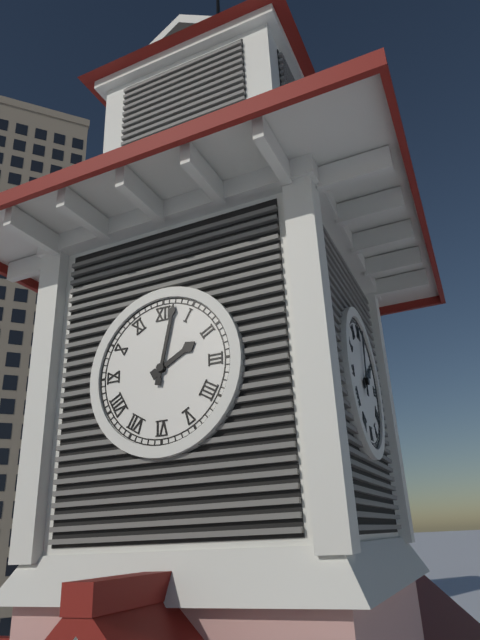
2:02
